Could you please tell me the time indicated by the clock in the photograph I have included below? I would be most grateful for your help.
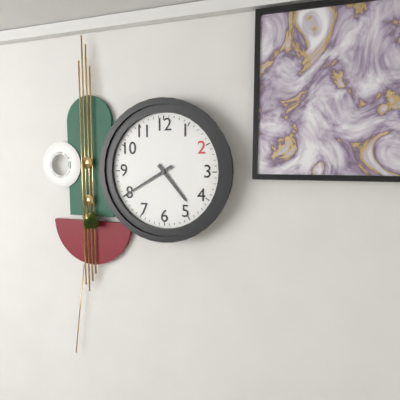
4:40
